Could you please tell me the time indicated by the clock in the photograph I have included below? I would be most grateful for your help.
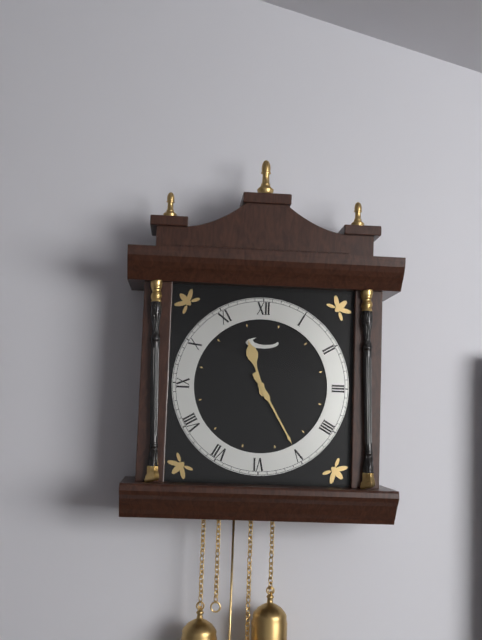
11:25
